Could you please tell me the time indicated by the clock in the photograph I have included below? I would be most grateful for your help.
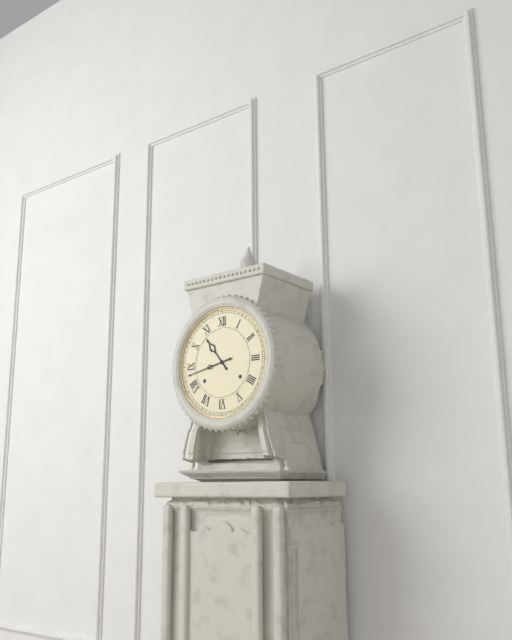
10:43
